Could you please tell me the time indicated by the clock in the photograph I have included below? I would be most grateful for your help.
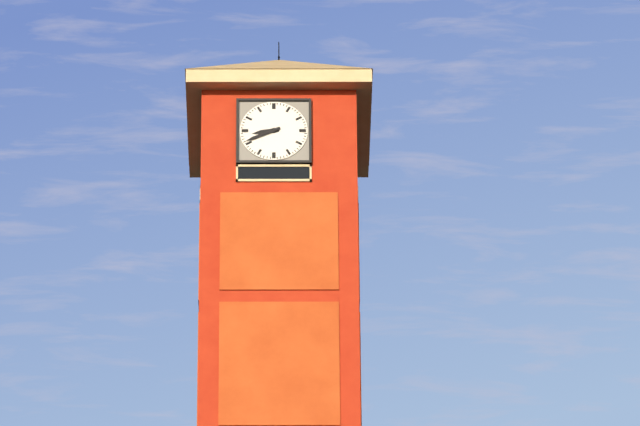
8:41
